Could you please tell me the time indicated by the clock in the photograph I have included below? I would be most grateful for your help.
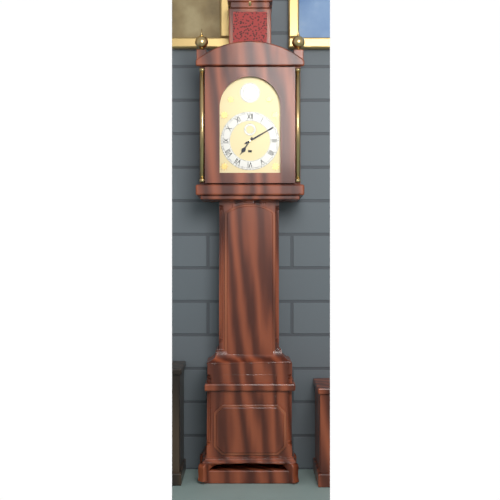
7:10
